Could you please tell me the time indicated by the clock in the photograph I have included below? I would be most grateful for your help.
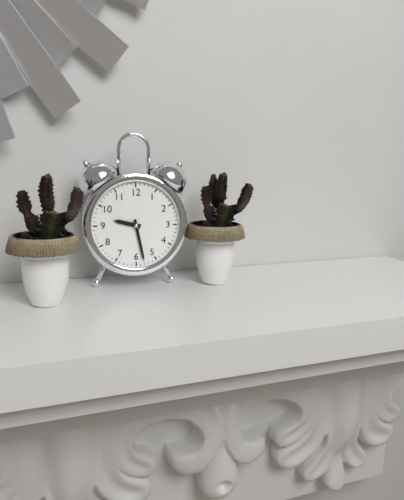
9:28
